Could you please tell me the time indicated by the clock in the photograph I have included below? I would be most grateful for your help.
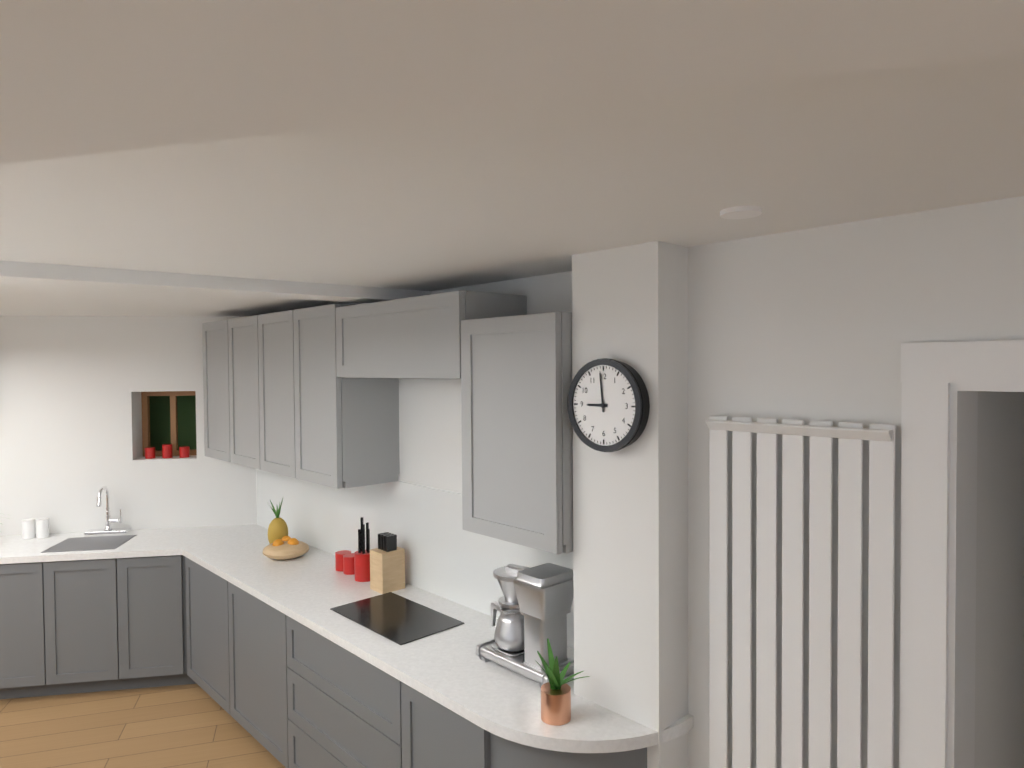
8:59
